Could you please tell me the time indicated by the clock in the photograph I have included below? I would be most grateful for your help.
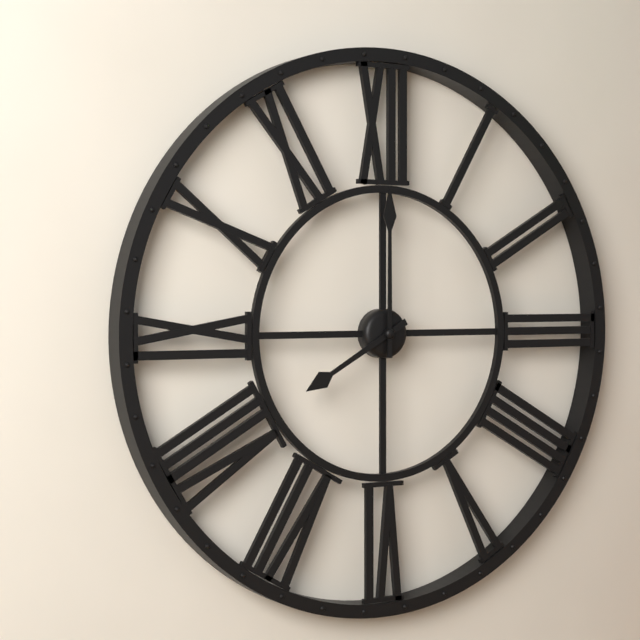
8:00
